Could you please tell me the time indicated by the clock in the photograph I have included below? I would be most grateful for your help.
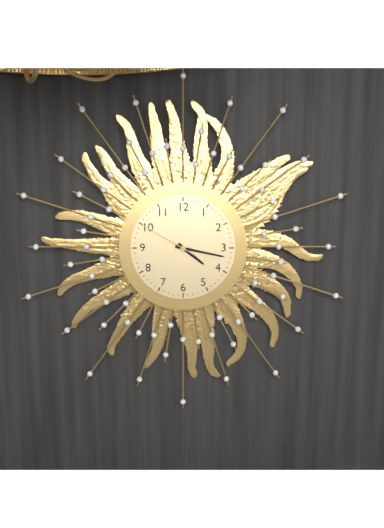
4:17:50
